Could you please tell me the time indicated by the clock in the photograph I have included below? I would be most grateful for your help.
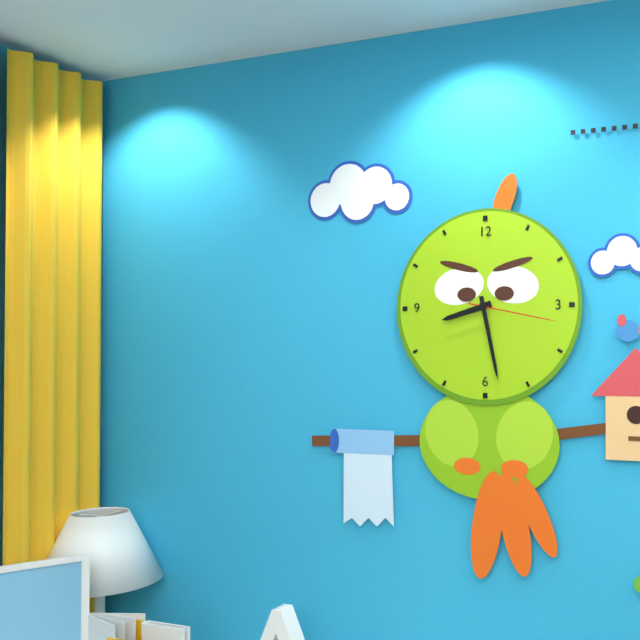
8:28:17
